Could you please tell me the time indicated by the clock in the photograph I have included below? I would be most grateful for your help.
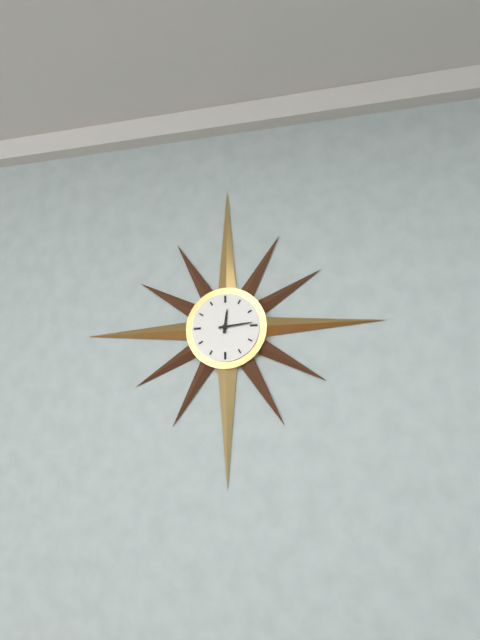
12:14
